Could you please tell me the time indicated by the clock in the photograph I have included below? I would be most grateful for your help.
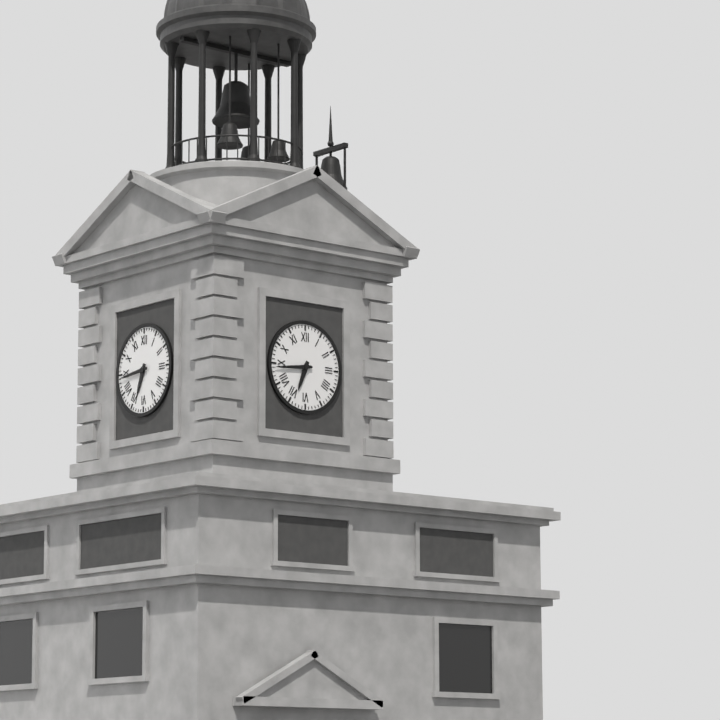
6:44
